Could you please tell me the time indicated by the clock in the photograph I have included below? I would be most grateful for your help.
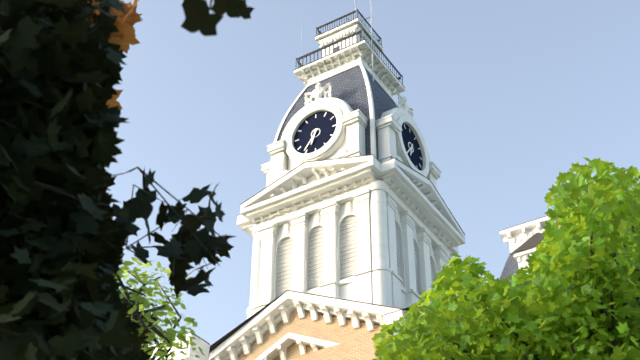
6:36
